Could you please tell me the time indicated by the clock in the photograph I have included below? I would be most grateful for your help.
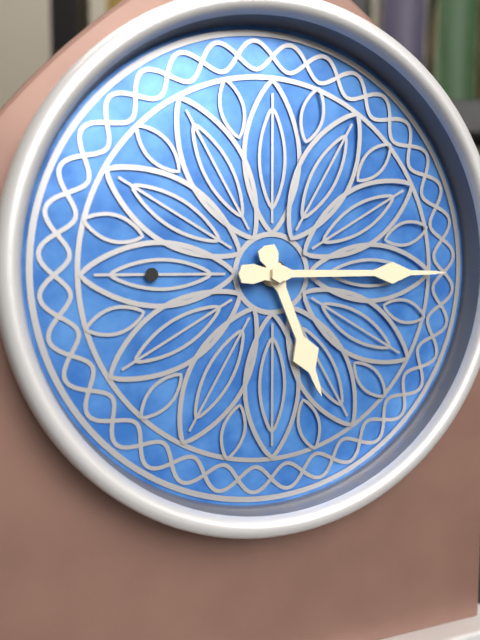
5:15
